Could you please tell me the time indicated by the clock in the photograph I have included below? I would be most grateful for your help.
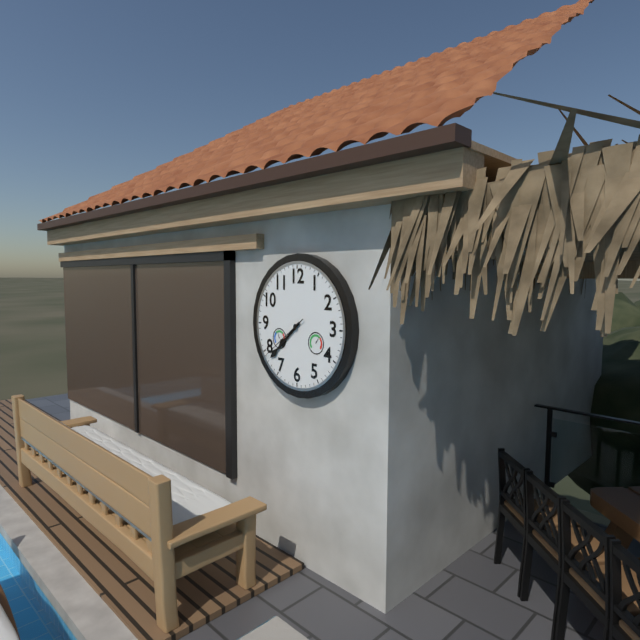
7:38:39
